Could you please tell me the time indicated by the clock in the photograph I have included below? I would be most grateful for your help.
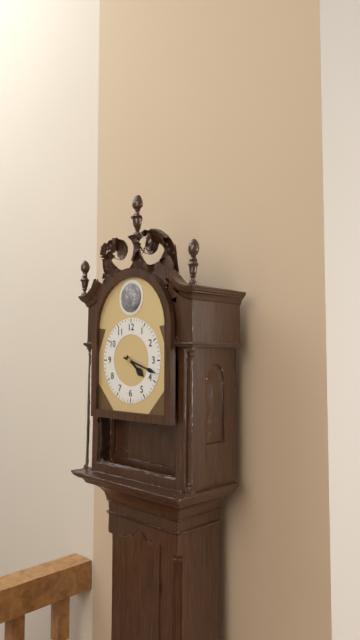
4:18
